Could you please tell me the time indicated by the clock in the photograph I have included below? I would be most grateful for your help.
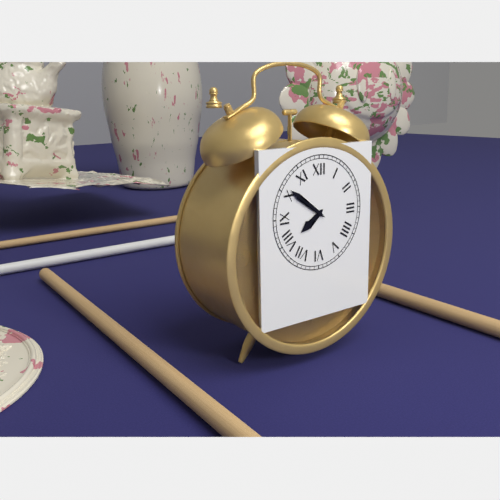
7:51
